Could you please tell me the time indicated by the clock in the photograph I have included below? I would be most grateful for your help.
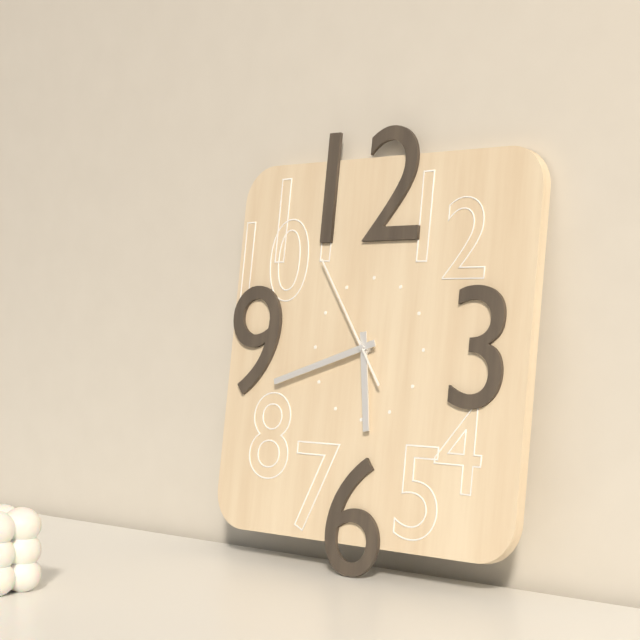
5:42:54
